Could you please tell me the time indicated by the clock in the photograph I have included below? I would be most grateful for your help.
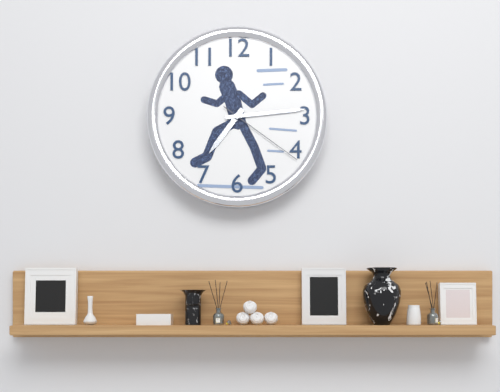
7:14:21
